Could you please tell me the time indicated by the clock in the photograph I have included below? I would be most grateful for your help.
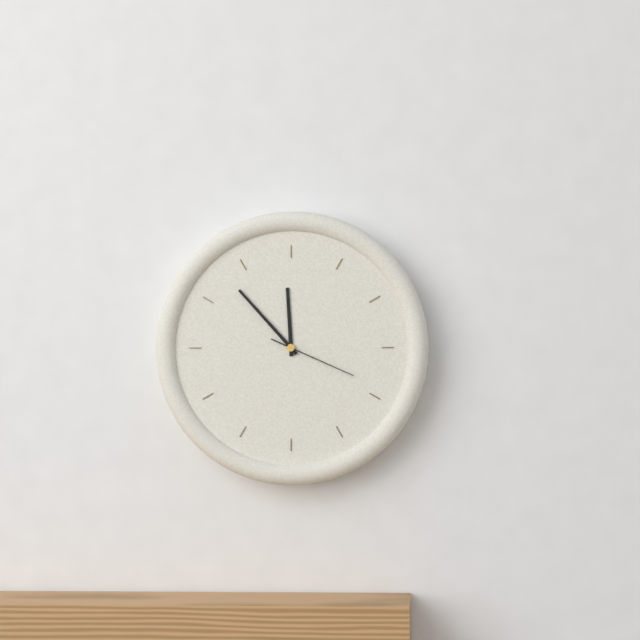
11:53:19
